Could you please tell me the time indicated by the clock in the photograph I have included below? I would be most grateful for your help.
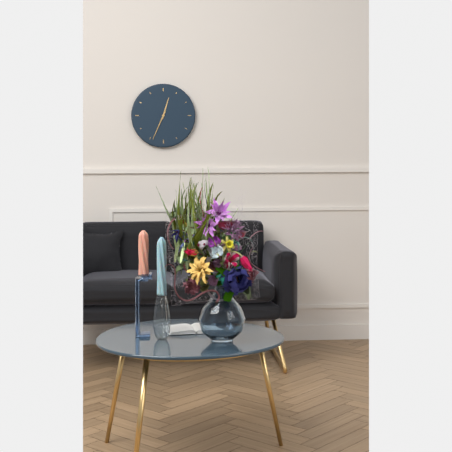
12:34
